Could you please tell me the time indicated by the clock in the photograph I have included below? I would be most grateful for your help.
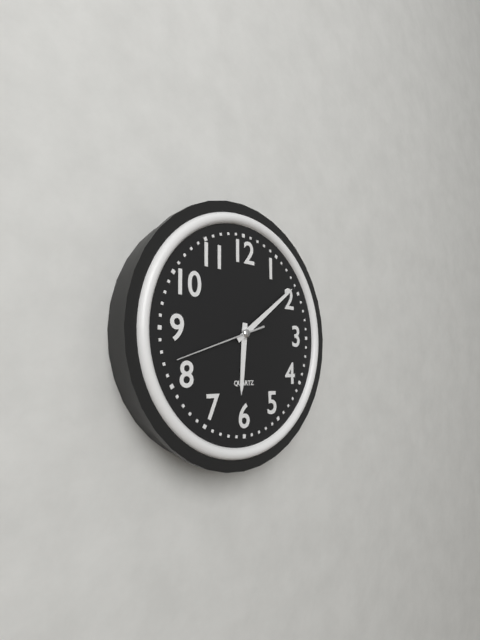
6:09:42
